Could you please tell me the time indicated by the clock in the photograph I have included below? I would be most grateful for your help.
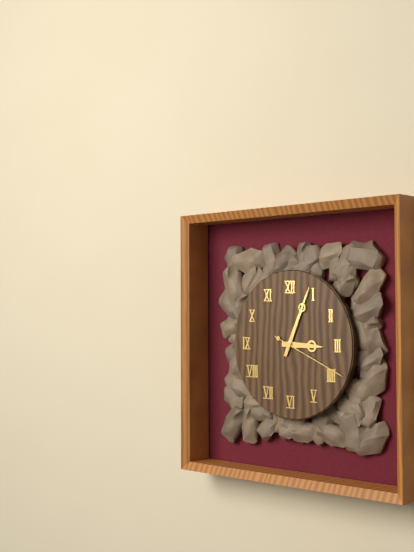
3:04:19
